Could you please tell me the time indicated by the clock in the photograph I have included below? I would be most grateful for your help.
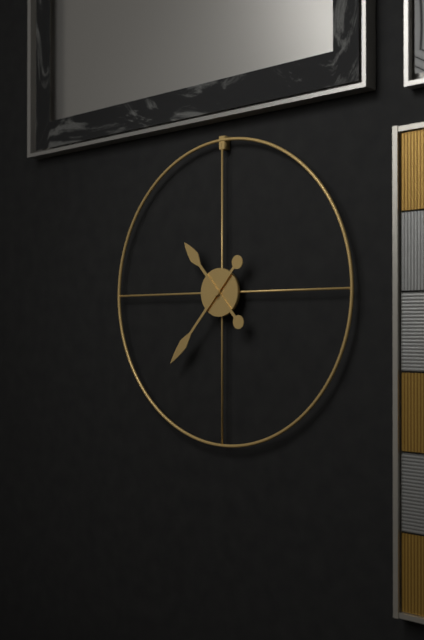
10:37
